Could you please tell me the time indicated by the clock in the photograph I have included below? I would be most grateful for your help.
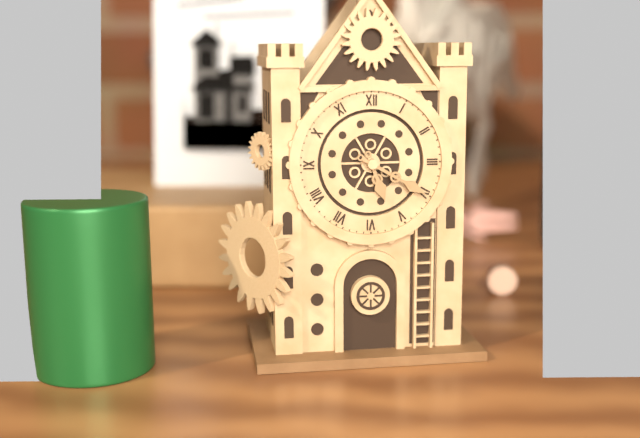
5:20
